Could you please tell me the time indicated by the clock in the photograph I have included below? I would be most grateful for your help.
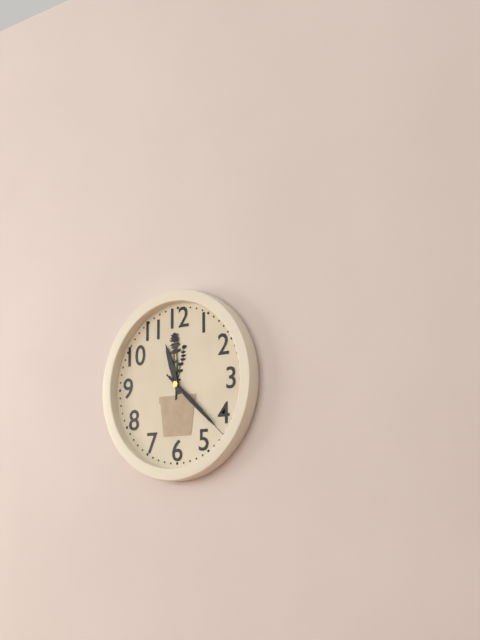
11:22:22
